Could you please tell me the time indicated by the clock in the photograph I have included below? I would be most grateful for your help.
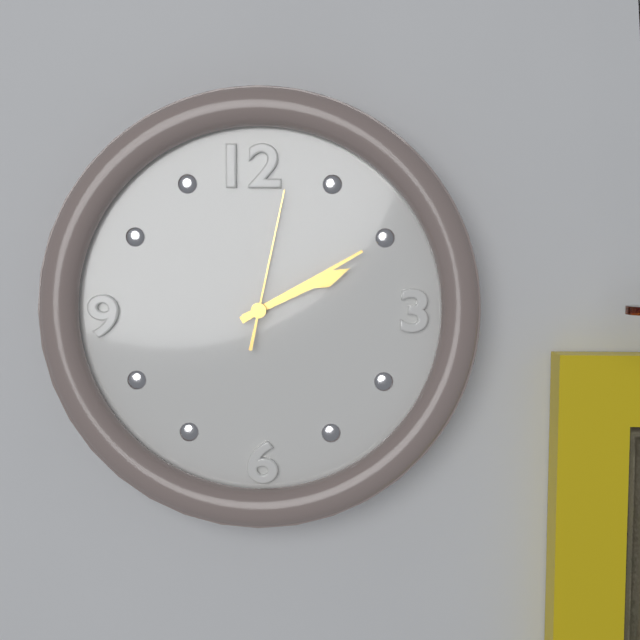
2:10:02
